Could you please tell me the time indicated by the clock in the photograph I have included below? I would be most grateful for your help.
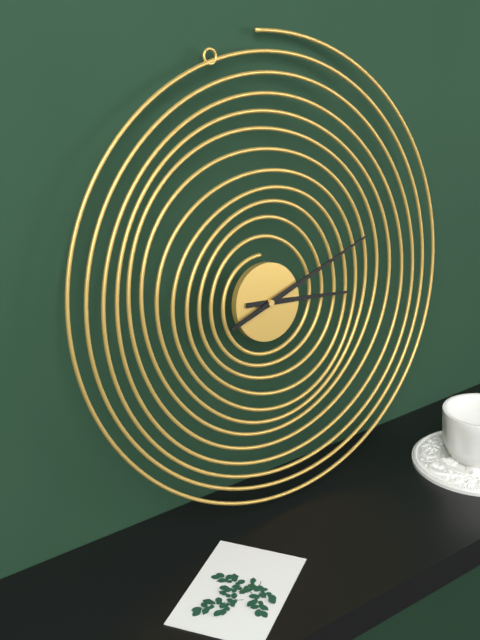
3:12
